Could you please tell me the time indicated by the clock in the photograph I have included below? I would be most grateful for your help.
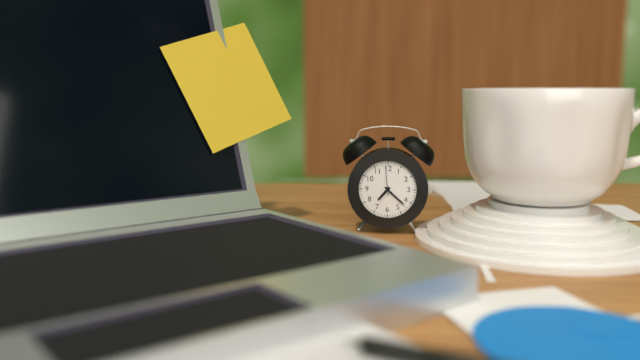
7:22
